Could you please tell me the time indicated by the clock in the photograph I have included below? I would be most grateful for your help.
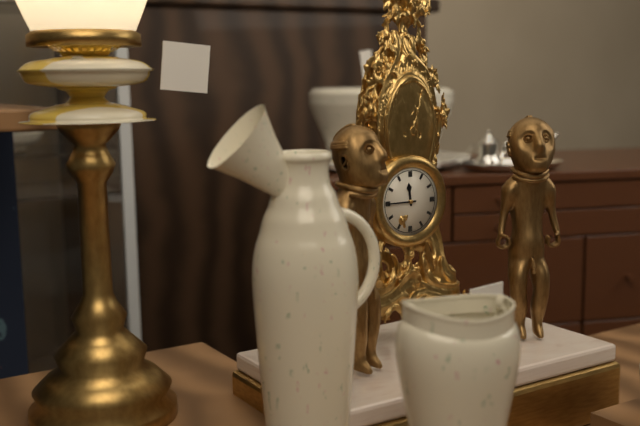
11:45
